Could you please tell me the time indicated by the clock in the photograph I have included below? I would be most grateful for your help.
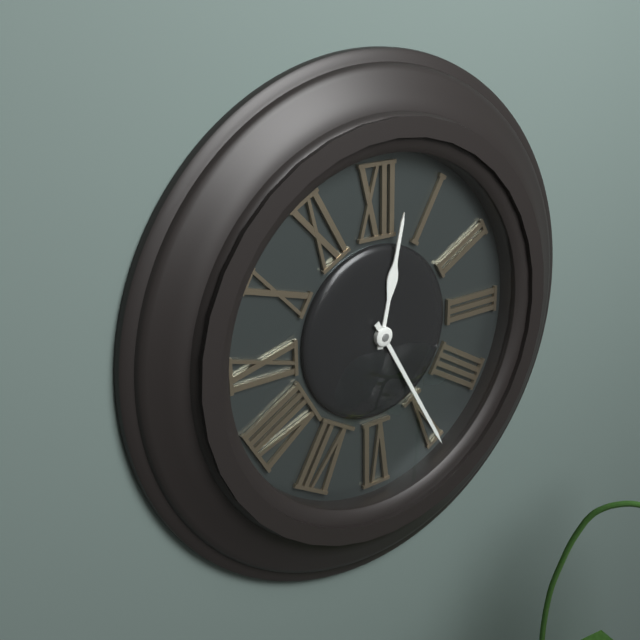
12:25
